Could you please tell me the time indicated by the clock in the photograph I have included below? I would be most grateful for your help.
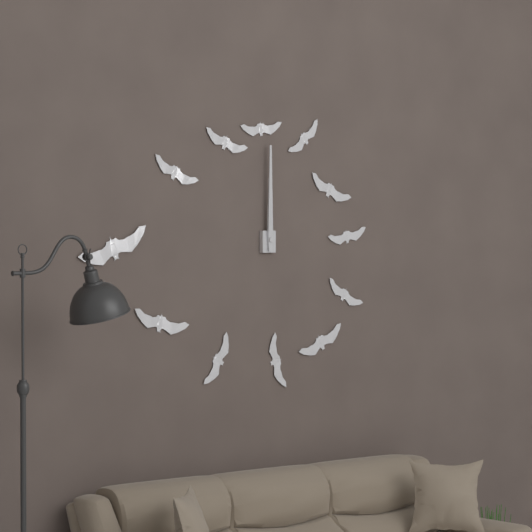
12:00
